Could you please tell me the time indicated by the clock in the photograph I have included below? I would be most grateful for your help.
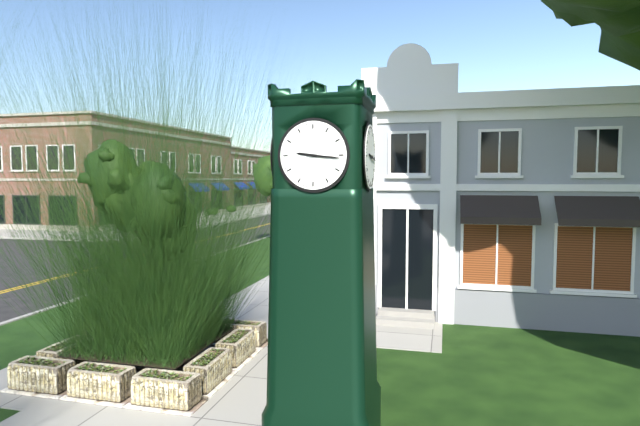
9:16
